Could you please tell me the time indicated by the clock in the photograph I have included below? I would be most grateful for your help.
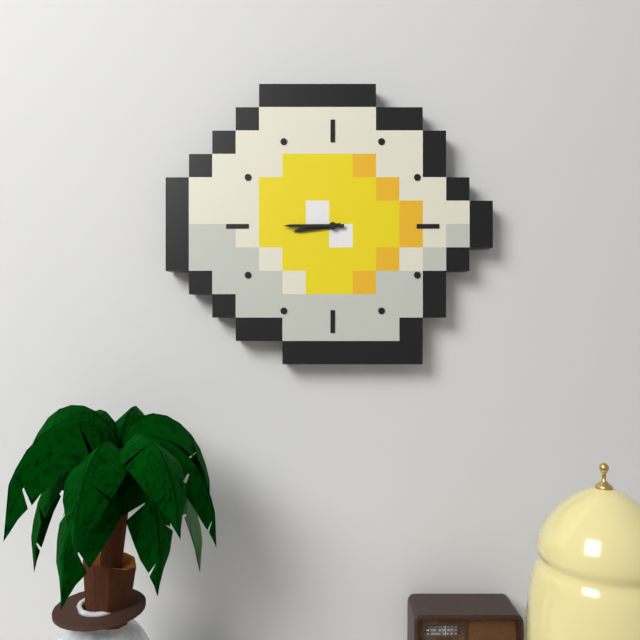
8:45
